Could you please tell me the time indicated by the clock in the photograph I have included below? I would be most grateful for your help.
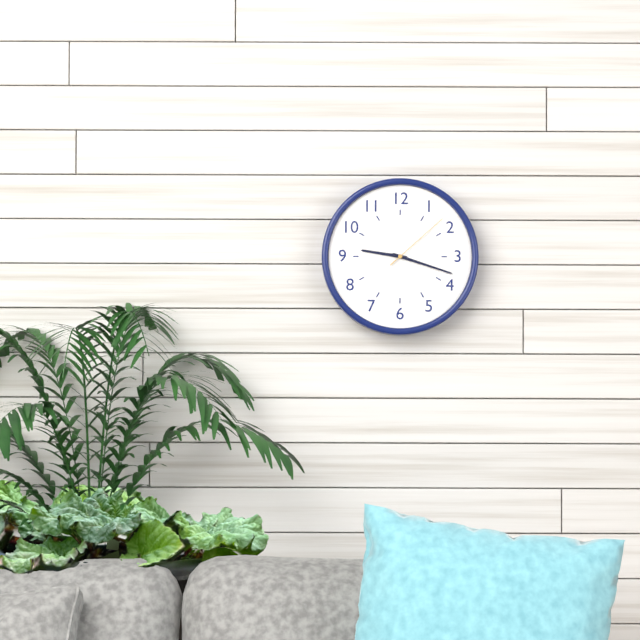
9:18:08
